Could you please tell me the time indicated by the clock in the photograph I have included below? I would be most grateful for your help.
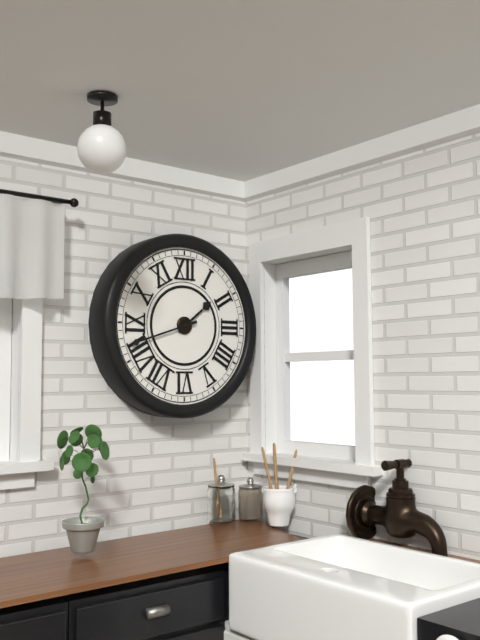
1:42
